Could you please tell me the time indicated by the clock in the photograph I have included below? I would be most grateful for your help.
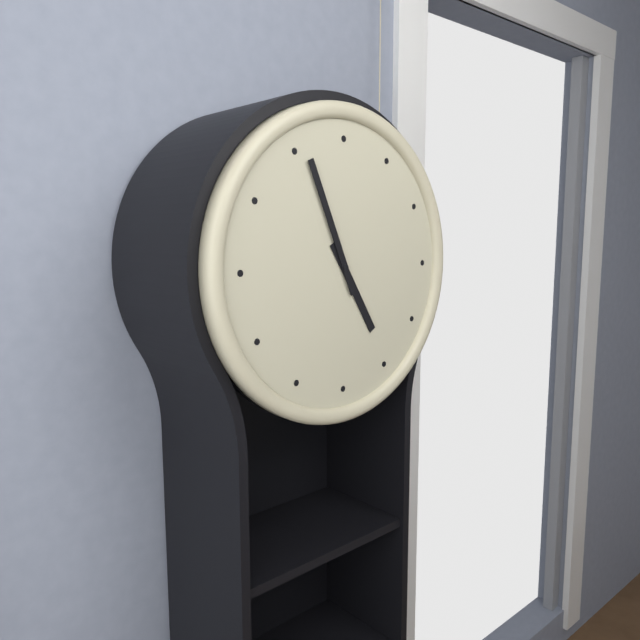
4:56
